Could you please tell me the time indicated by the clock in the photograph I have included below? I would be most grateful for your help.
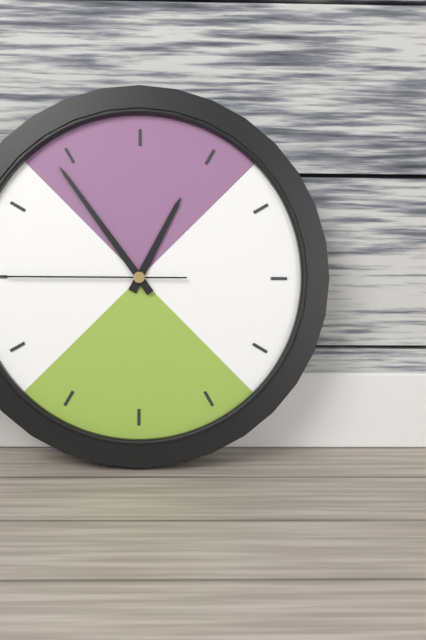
12:54:45
